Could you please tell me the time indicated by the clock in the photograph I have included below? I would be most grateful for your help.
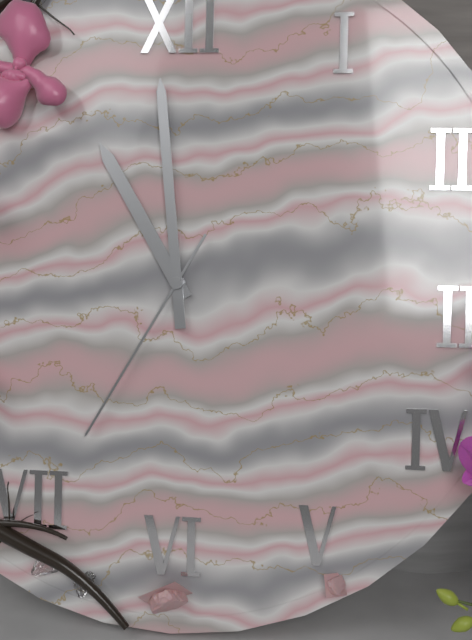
10:59:35
